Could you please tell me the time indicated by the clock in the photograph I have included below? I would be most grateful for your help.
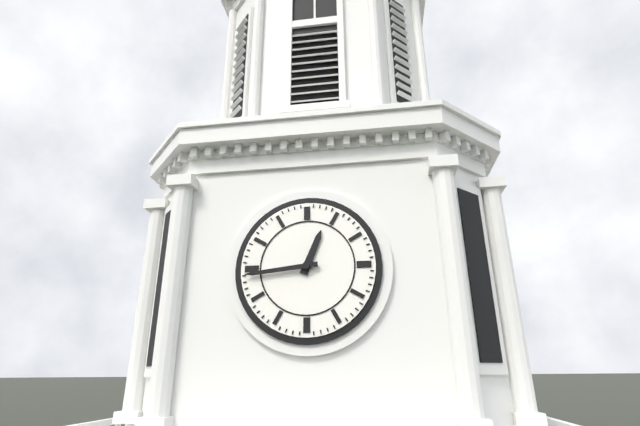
12:44
